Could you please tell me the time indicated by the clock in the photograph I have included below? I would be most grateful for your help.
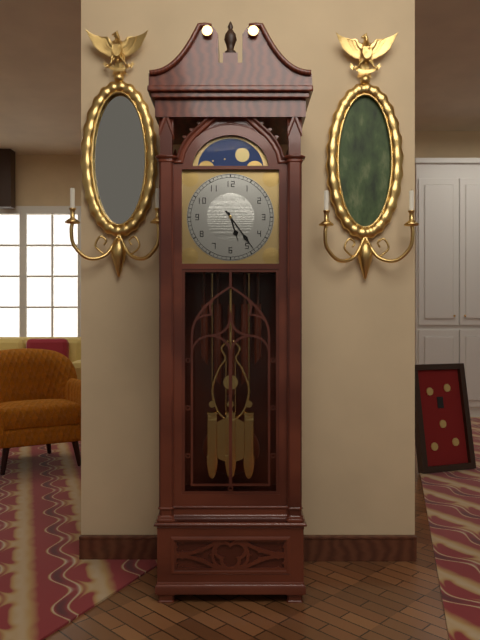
5:24
